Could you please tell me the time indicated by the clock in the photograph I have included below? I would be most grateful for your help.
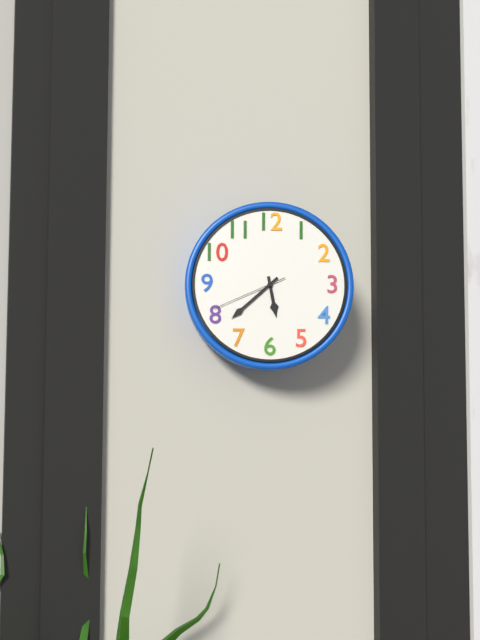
5:38:41
